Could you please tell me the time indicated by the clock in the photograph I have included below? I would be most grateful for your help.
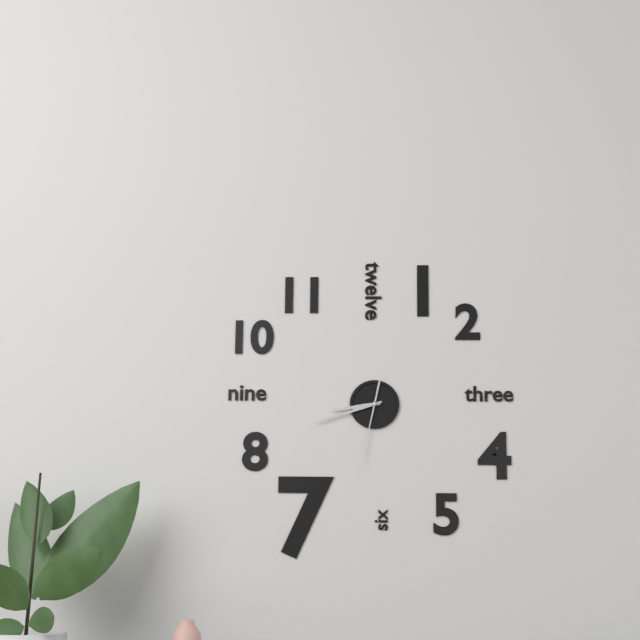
8:42:32
